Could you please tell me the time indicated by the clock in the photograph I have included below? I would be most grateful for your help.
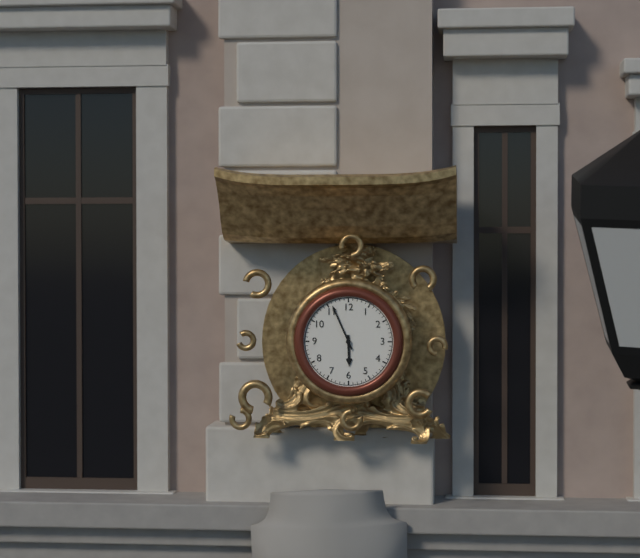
5:56
